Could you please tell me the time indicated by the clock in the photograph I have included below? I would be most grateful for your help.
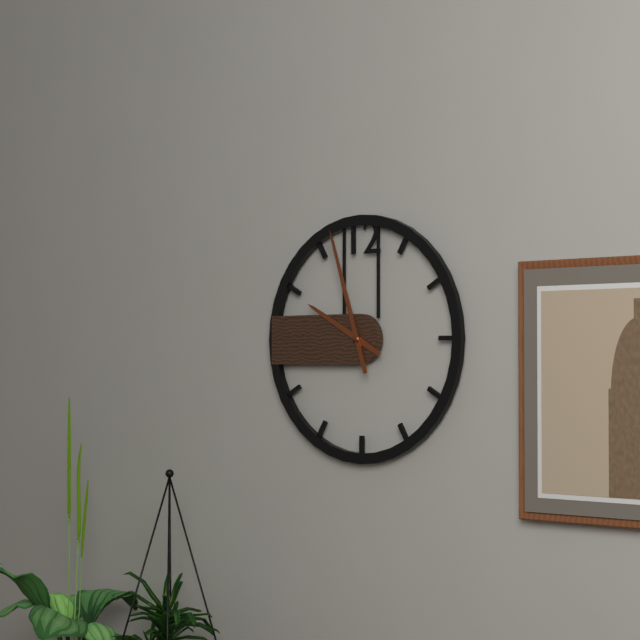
9:57
